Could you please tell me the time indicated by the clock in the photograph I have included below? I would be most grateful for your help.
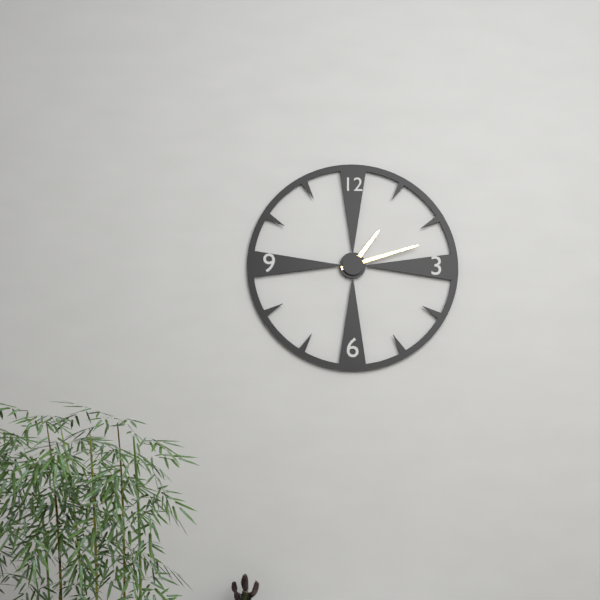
1:12
